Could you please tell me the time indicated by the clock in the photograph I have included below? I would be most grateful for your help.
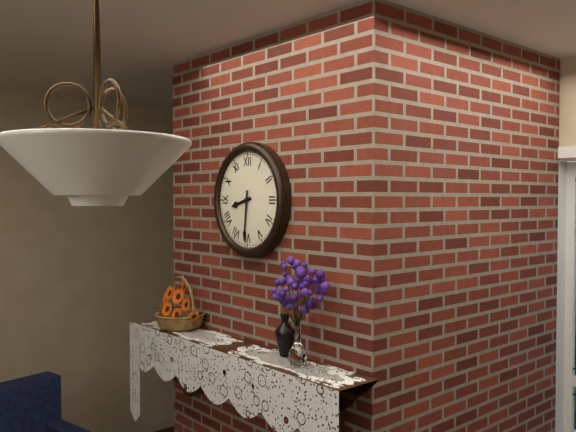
8:31
